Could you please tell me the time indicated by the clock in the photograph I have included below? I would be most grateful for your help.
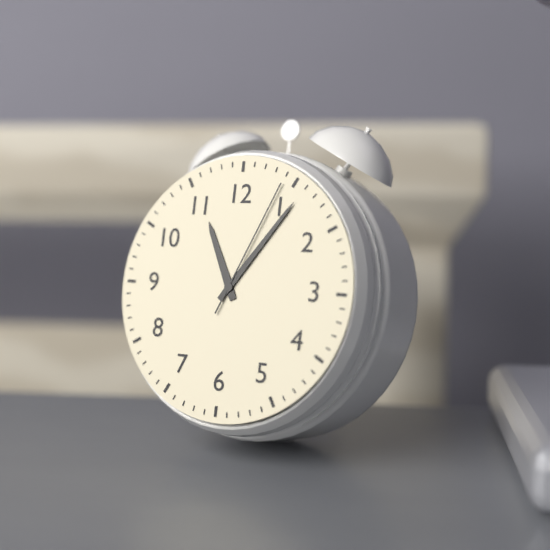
11:06:04
